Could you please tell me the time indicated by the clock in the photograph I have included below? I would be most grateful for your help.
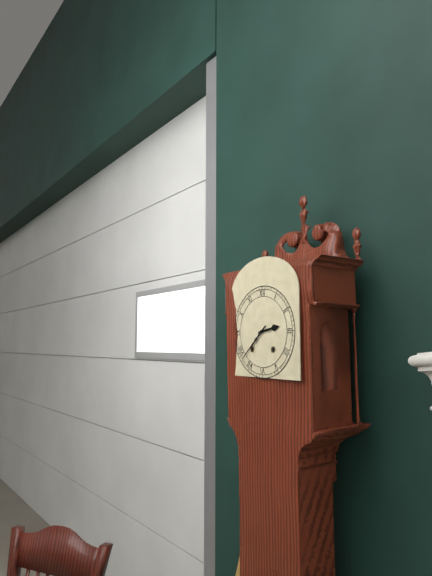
2:38
